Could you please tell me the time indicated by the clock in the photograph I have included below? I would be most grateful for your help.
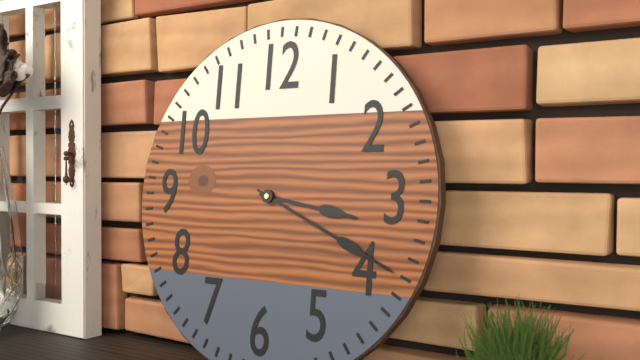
3:19
